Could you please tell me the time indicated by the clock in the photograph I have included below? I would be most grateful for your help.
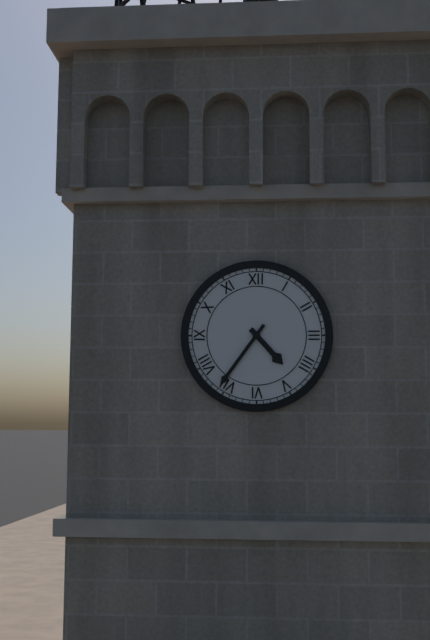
4:36
